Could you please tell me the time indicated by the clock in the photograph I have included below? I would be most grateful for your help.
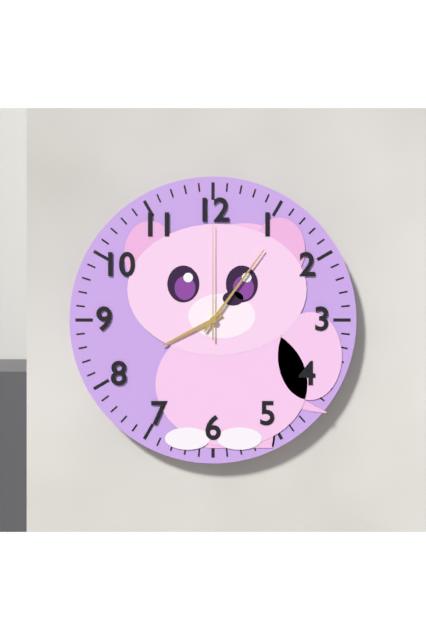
8:06:00
